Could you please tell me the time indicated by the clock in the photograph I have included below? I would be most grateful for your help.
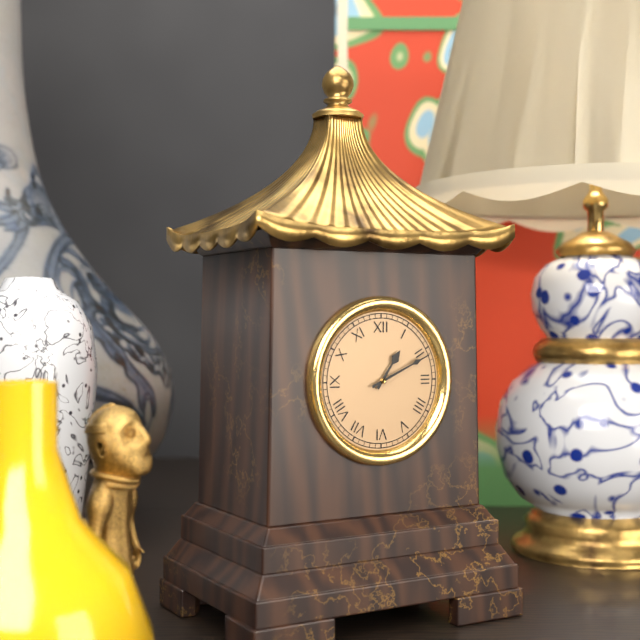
1:11
